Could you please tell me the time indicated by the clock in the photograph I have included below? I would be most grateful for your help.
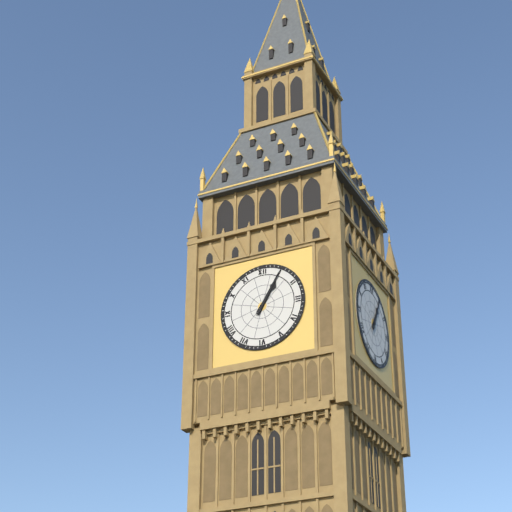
1:05
